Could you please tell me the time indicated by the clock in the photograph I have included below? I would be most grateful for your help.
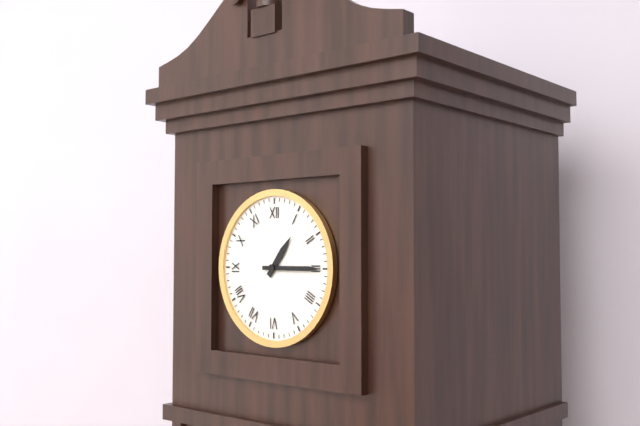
1:15
